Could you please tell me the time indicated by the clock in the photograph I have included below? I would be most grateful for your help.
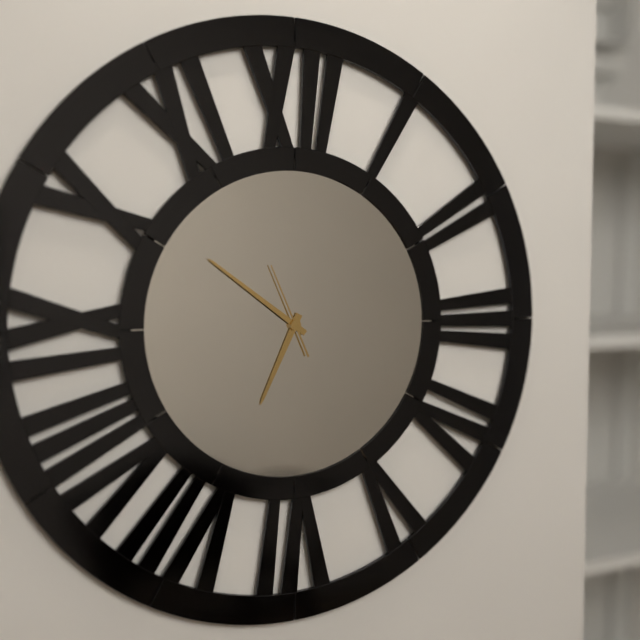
6:51:56
